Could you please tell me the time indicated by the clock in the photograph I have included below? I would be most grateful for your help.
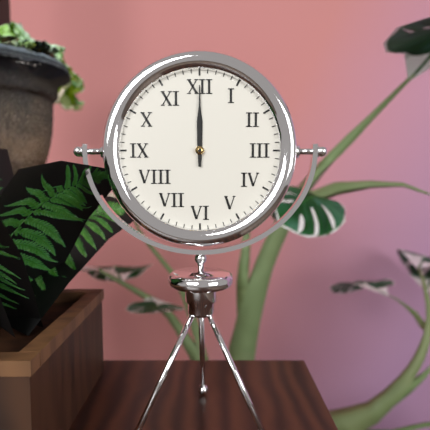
12:00
